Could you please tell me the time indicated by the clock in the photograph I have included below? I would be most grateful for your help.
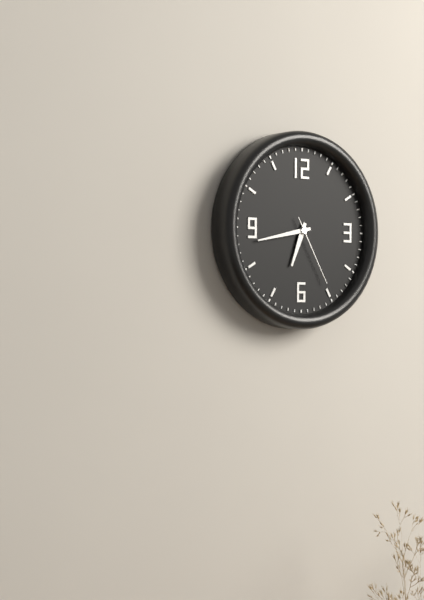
6:43:25
